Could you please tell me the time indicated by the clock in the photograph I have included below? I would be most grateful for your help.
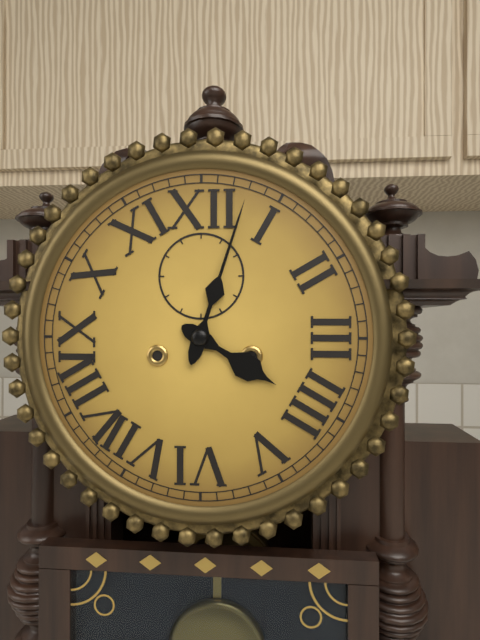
4:03
